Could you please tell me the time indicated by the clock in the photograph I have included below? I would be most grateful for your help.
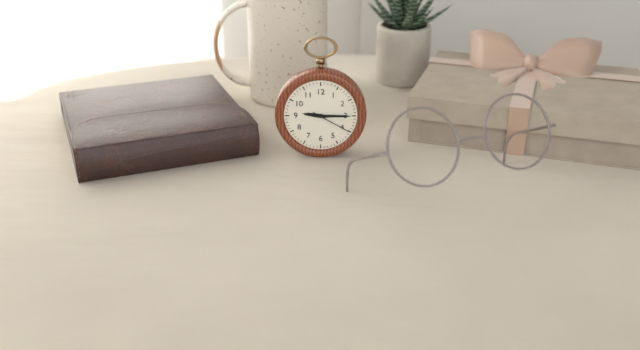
9:15
